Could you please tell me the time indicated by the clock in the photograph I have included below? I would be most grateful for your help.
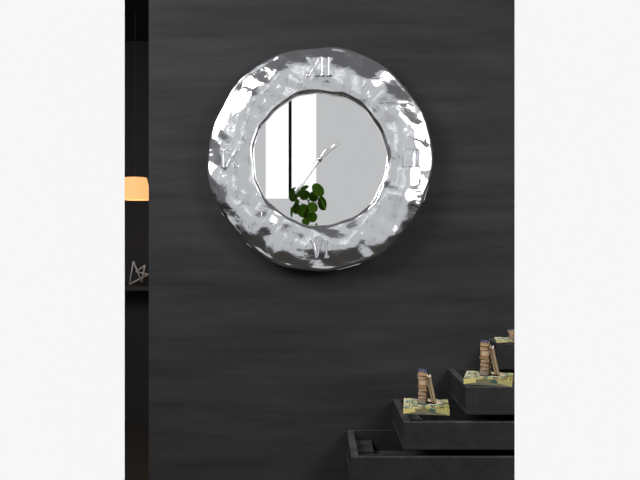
1:36
